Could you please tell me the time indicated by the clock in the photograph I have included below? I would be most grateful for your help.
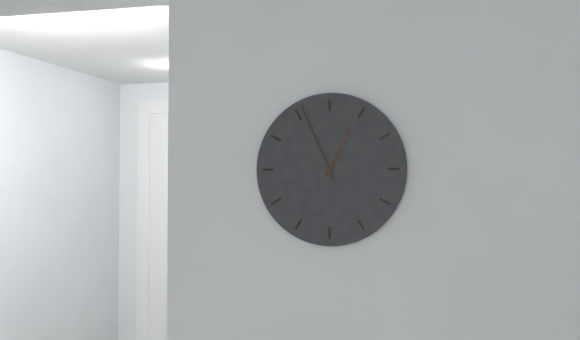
12:56
